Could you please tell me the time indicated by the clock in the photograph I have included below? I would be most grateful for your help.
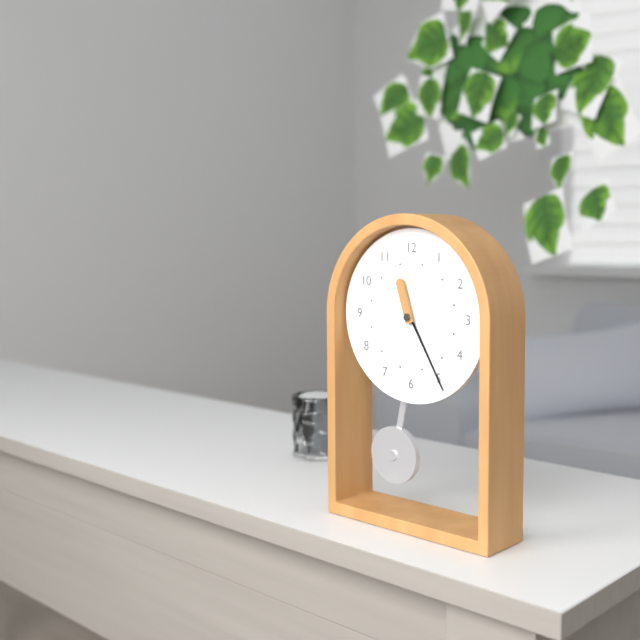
11:25
